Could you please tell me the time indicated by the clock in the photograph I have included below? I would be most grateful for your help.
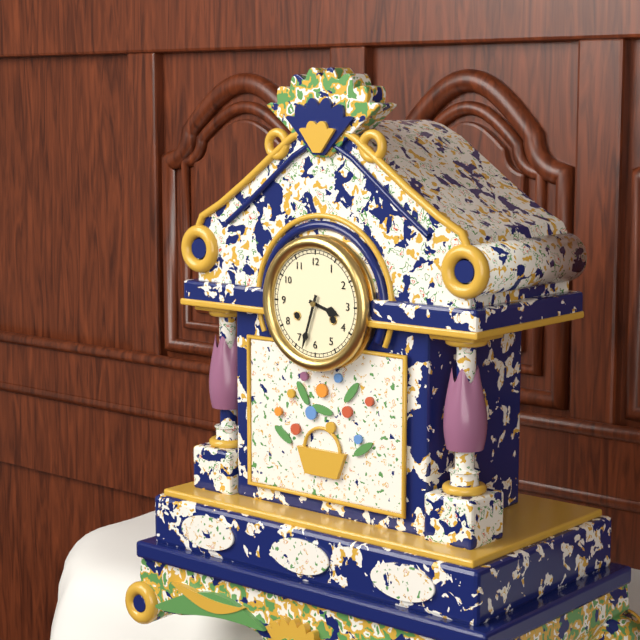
3:33
